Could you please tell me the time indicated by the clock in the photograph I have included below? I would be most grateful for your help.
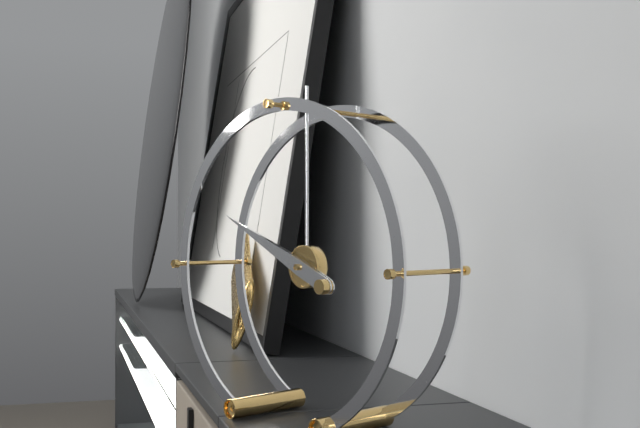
9:49
